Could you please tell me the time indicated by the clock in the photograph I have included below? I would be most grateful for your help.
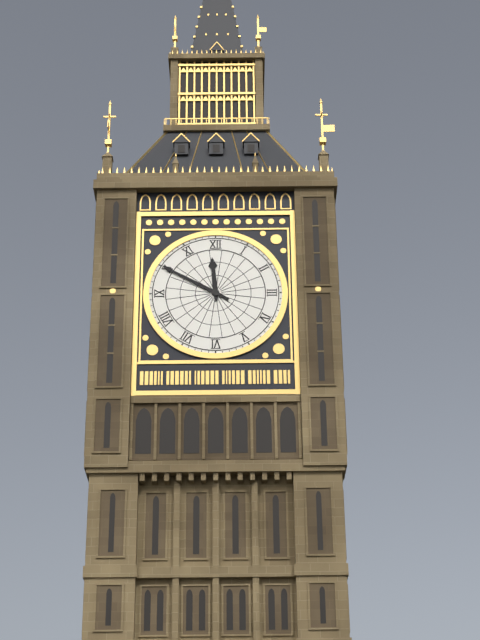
11:50
